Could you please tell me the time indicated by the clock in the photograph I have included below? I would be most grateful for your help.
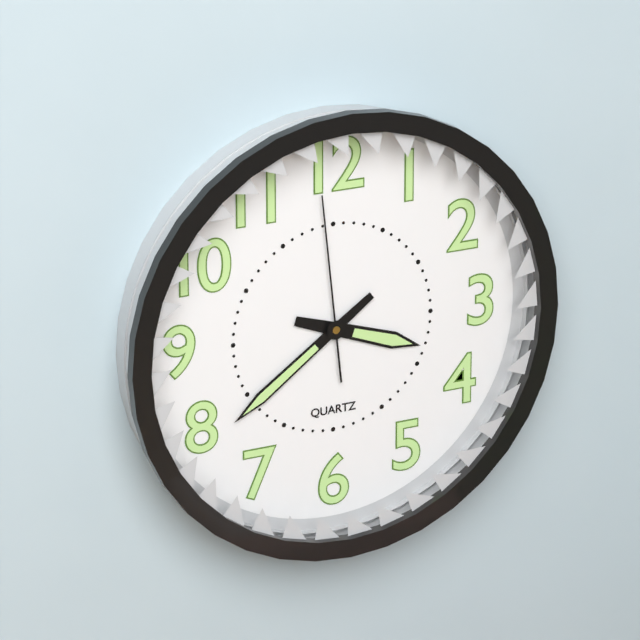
3:39:59
